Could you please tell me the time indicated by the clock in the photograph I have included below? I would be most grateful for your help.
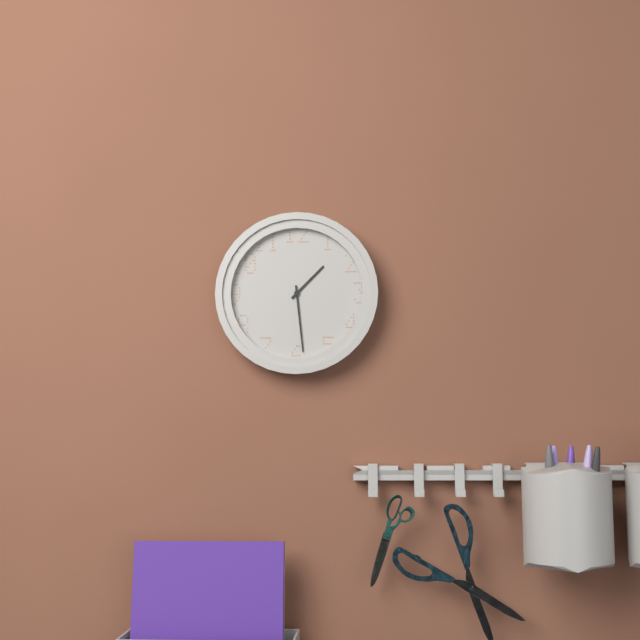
1:29
